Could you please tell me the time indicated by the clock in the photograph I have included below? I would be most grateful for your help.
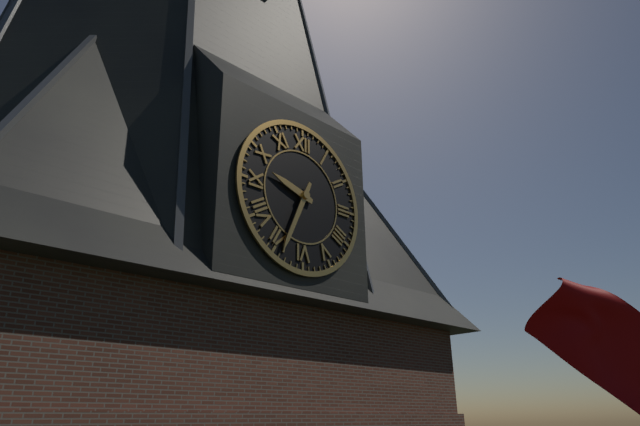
9:34
